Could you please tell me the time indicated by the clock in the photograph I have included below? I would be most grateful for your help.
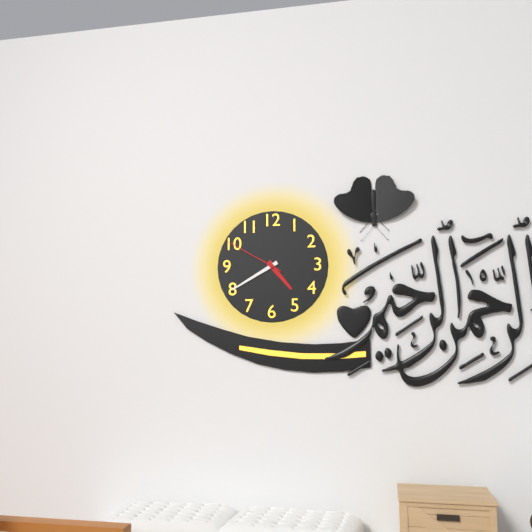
4:40:50
